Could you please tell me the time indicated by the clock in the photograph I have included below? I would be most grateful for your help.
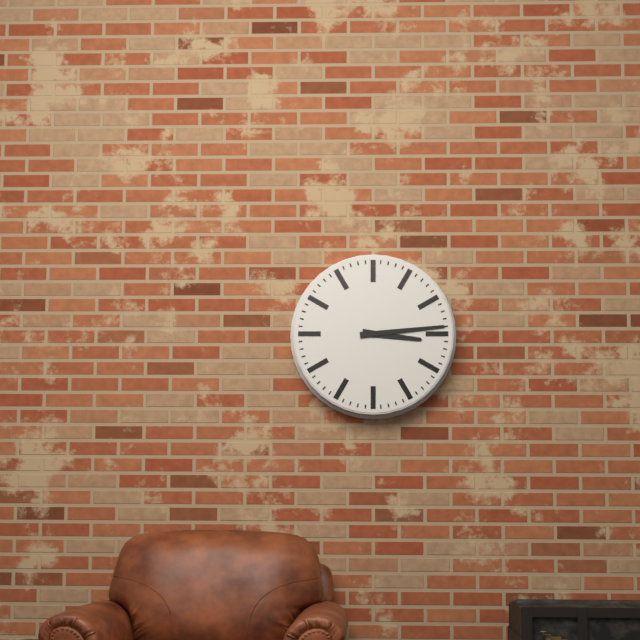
3:14
